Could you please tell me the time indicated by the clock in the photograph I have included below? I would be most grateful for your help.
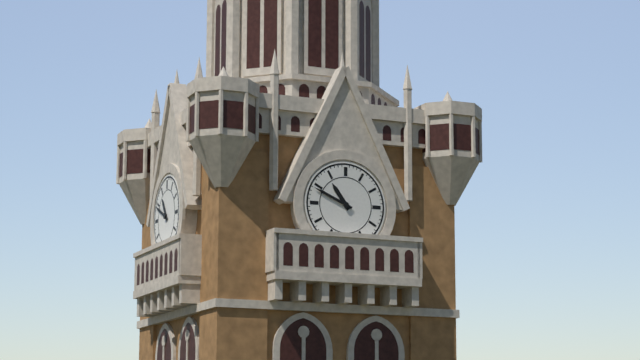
10:49
